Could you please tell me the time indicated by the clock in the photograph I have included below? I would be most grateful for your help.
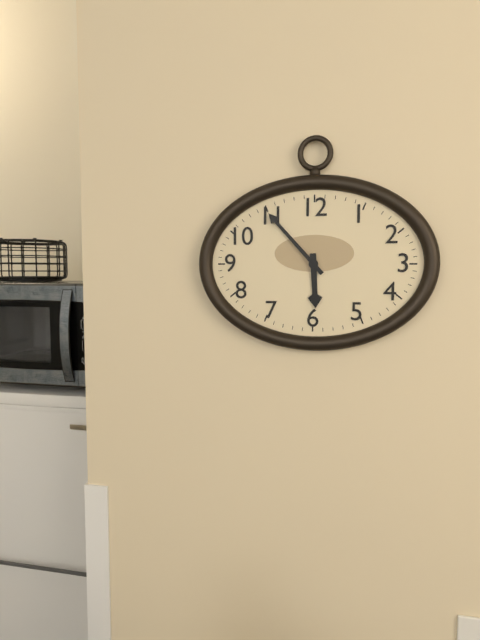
5:53
